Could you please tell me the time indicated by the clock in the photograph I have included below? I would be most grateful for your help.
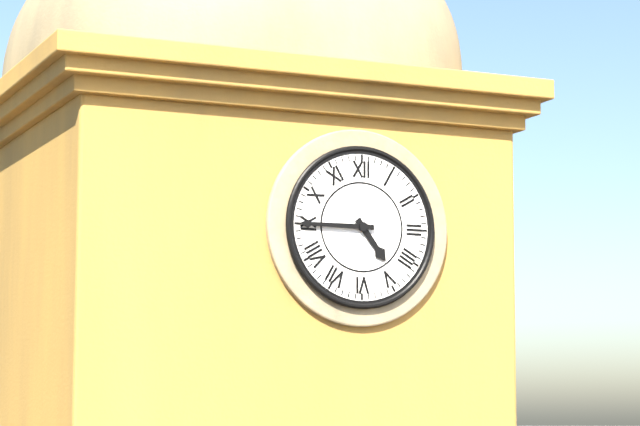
4:45
